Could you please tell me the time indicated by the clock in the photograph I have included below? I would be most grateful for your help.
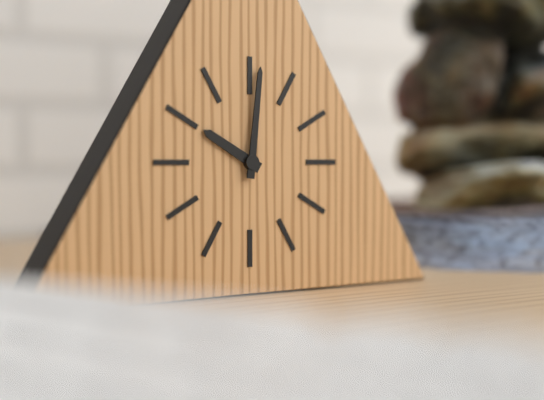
10:01
